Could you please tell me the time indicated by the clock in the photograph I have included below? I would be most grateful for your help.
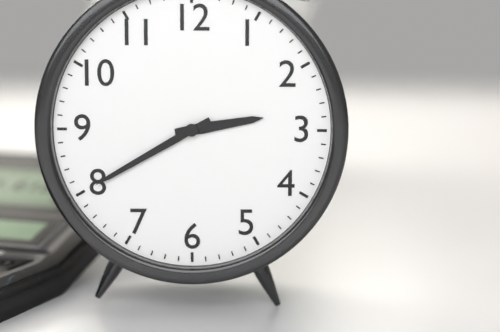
2:40
